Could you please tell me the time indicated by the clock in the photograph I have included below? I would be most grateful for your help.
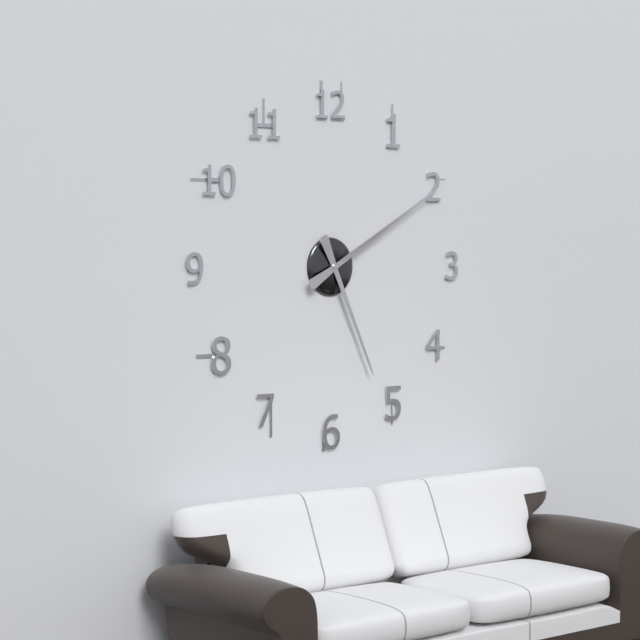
5:10
